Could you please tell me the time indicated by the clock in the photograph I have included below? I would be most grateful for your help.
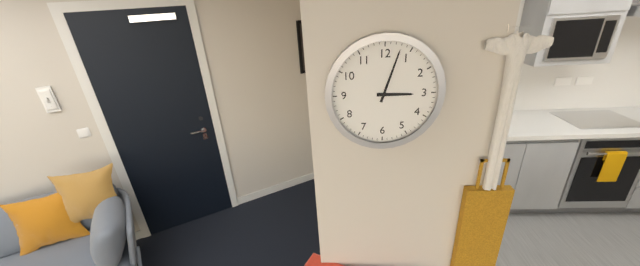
3:03
